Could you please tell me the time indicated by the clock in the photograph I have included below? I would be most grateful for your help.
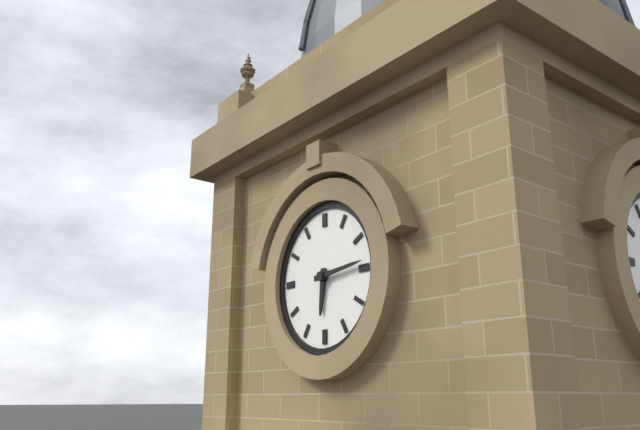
6:14
